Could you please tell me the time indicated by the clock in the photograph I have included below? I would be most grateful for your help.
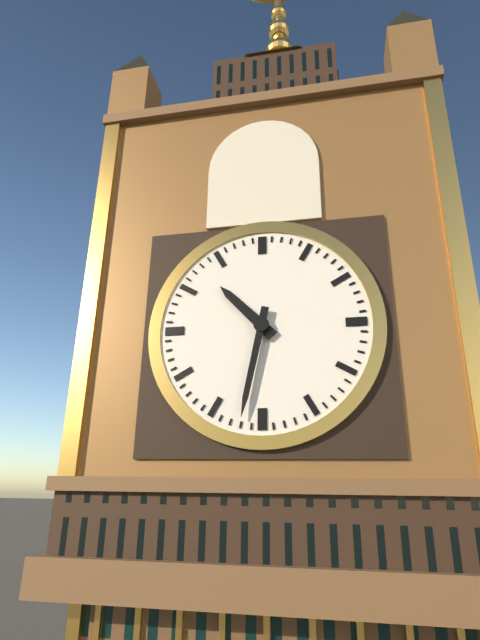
10:32
